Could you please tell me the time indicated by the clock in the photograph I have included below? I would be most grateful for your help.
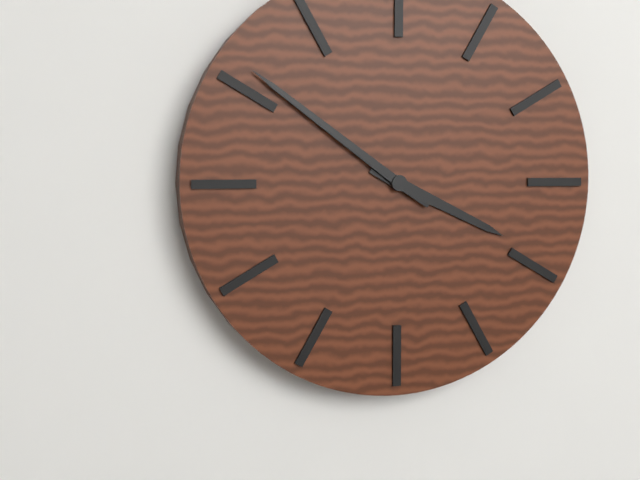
3:51
